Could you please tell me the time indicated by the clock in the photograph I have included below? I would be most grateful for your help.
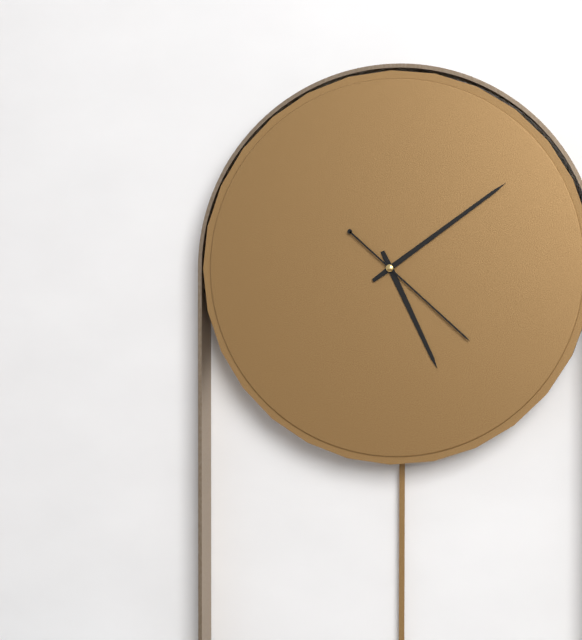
5:09:22
